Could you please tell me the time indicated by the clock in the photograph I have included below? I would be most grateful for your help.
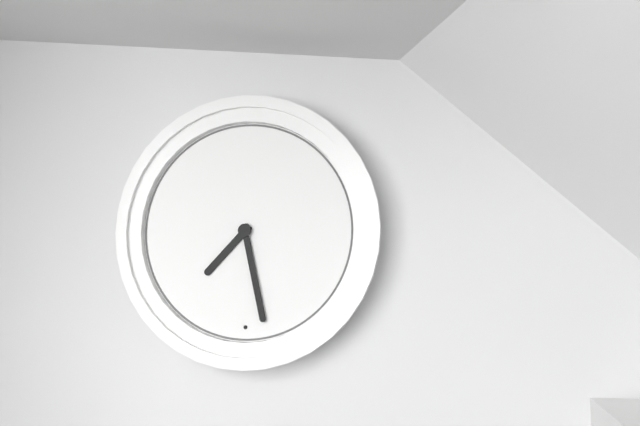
7:28
